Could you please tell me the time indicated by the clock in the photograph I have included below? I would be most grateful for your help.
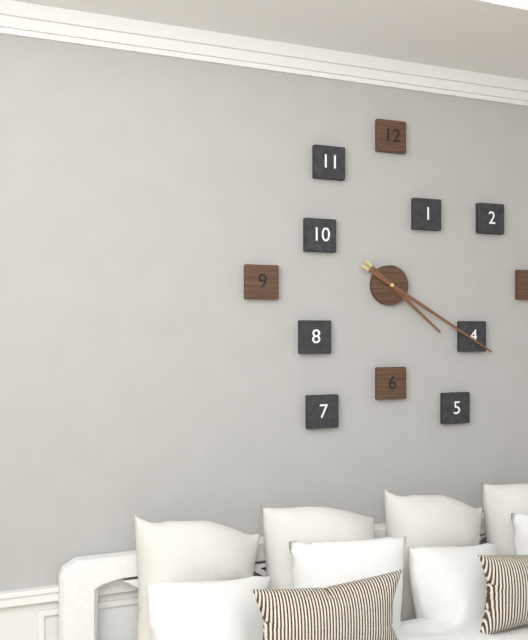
4:20
